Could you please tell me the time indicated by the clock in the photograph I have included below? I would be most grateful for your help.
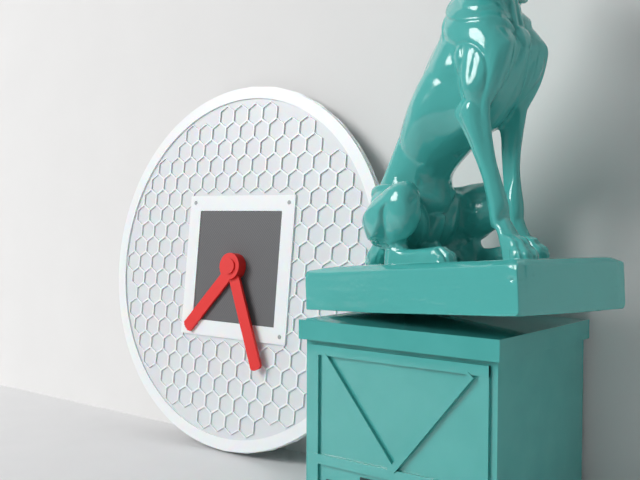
7:26
